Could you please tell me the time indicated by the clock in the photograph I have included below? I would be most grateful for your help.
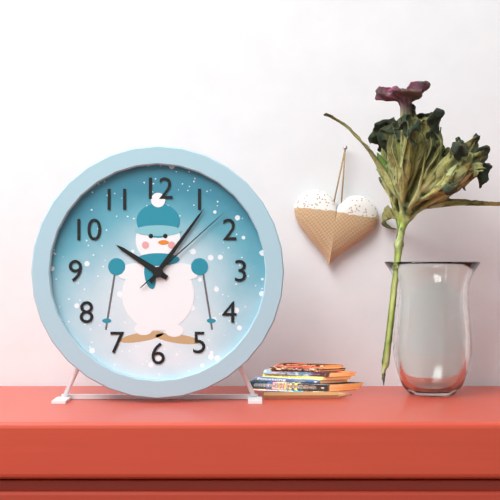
10:06:08
